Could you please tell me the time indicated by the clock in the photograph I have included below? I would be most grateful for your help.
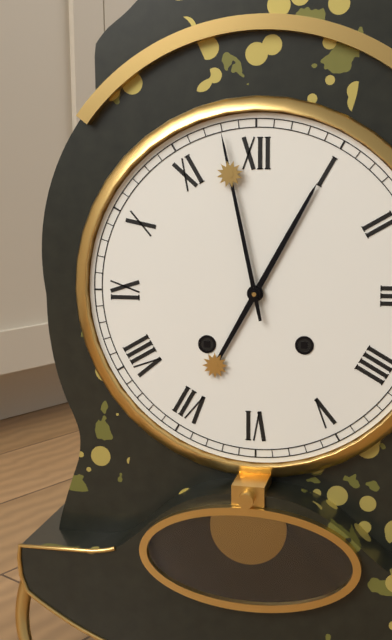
12:58
